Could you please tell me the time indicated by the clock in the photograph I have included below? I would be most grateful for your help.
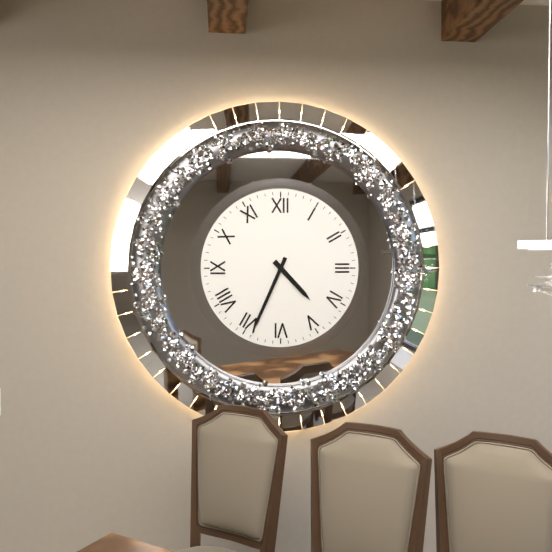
4:34
